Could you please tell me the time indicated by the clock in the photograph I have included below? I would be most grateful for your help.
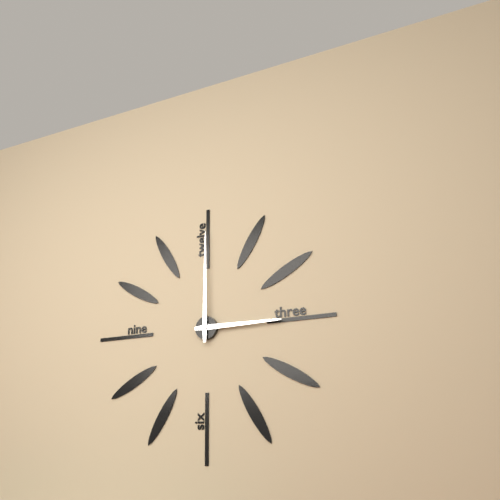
3:00
